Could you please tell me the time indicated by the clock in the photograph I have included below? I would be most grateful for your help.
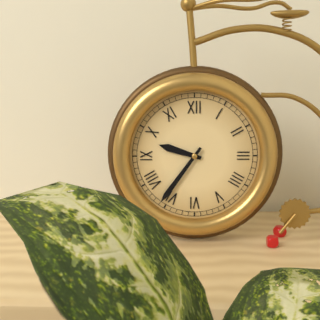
9:36
